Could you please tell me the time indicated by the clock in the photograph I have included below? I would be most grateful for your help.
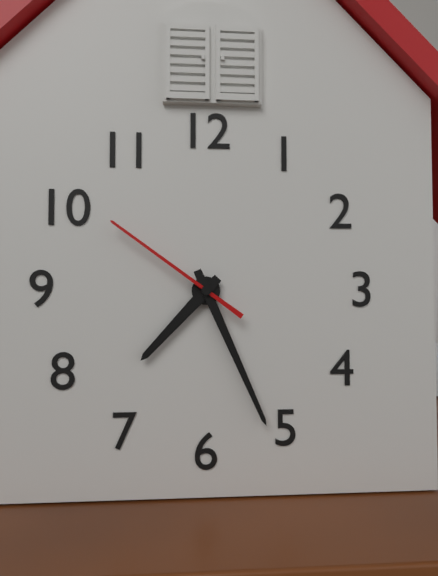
7:26:51
